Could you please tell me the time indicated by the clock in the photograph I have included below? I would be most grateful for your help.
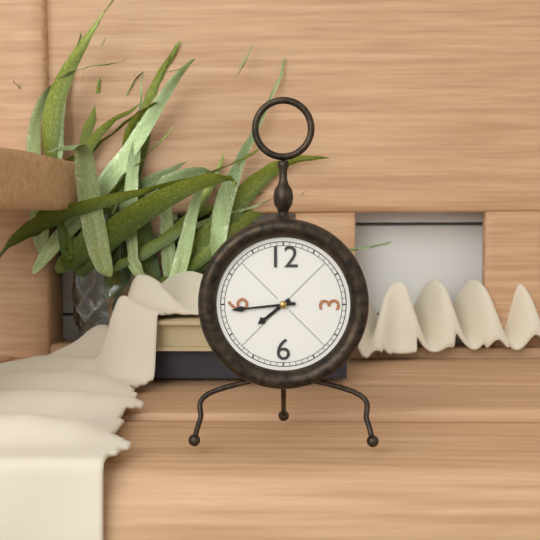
7:44
